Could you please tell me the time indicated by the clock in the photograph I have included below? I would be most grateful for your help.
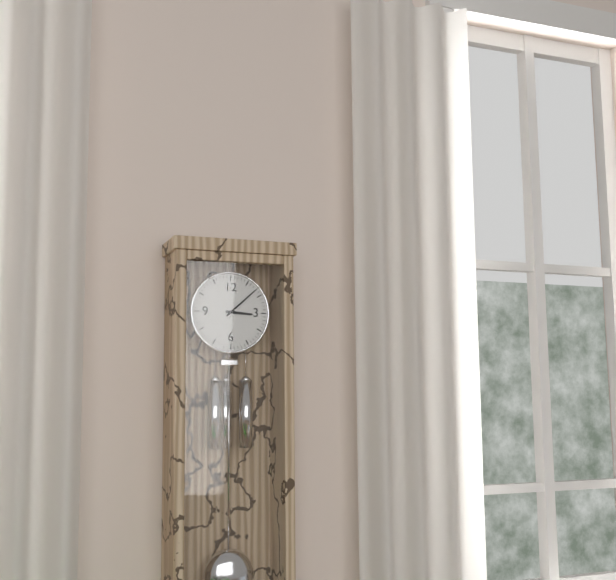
3:08
